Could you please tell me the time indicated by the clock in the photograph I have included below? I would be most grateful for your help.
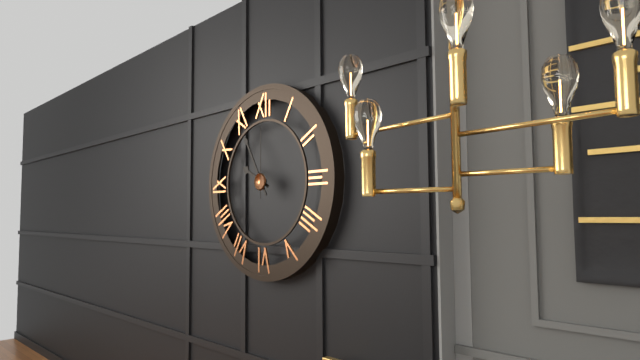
9:55:00
